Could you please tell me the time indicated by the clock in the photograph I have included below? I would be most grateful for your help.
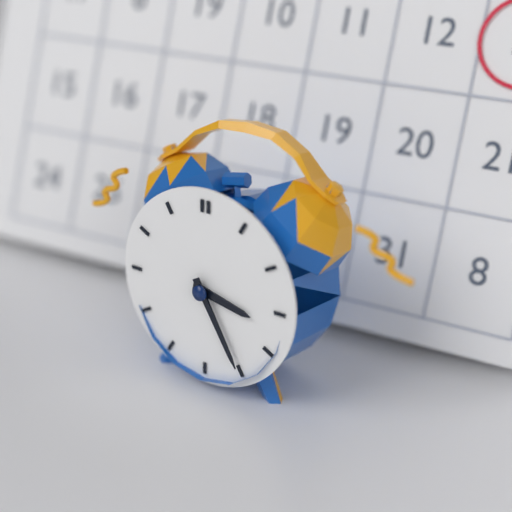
3:25
